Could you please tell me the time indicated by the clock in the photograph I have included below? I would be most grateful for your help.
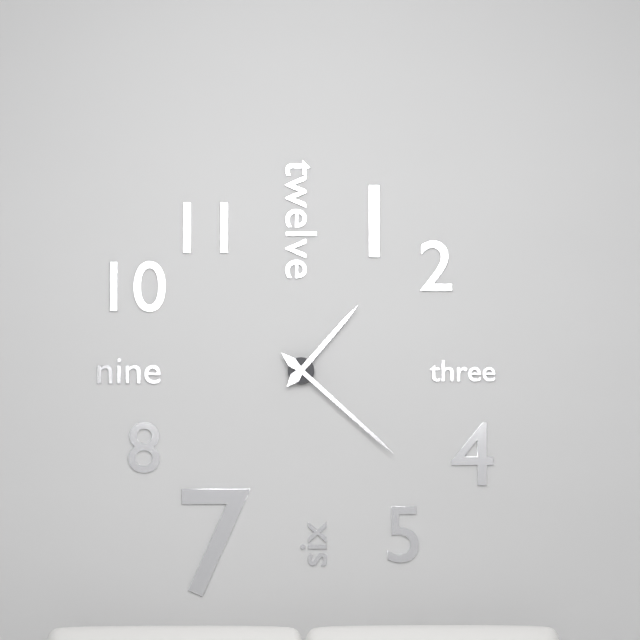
1:22
